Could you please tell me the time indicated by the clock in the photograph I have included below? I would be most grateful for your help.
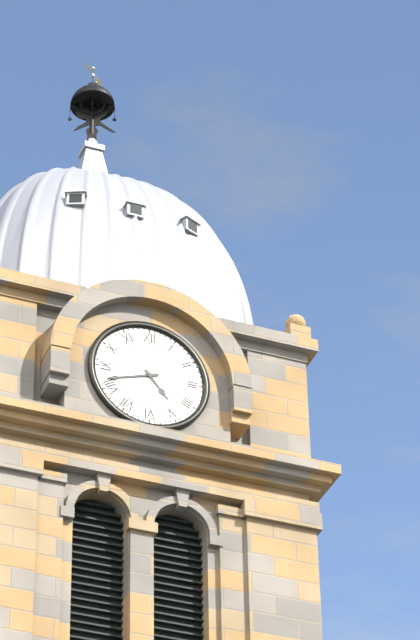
4:42
